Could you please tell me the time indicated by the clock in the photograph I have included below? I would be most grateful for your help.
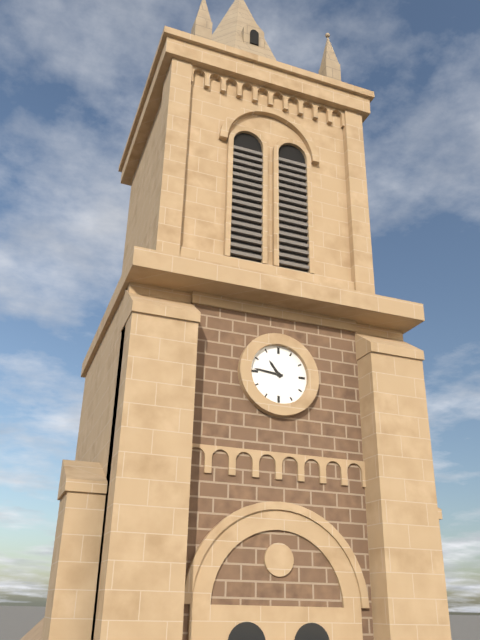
10:46
